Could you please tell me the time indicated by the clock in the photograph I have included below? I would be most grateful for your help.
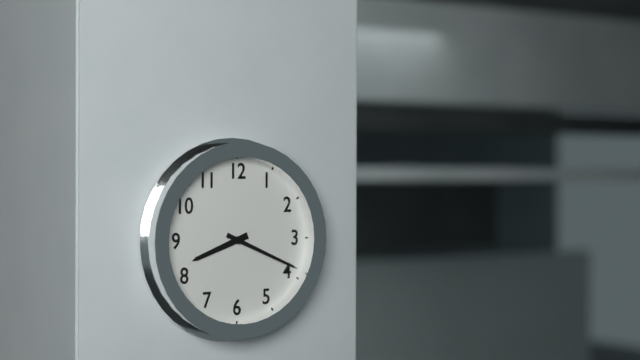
8:19
